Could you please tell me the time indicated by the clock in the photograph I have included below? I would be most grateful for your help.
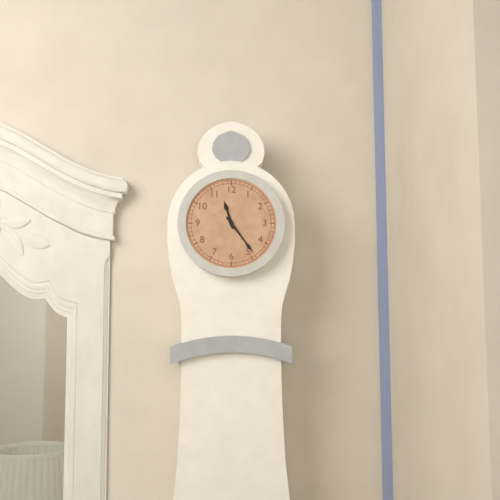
11:24
